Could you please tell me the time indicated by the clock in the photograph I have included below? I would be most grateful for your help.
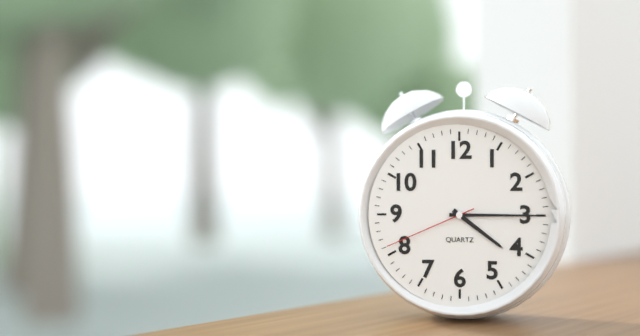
4:15:41
